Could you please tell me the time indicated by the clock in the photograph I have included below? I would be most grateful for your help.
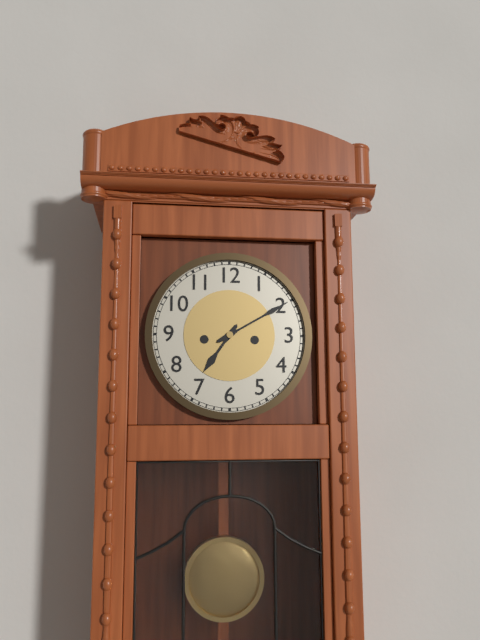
7:10
